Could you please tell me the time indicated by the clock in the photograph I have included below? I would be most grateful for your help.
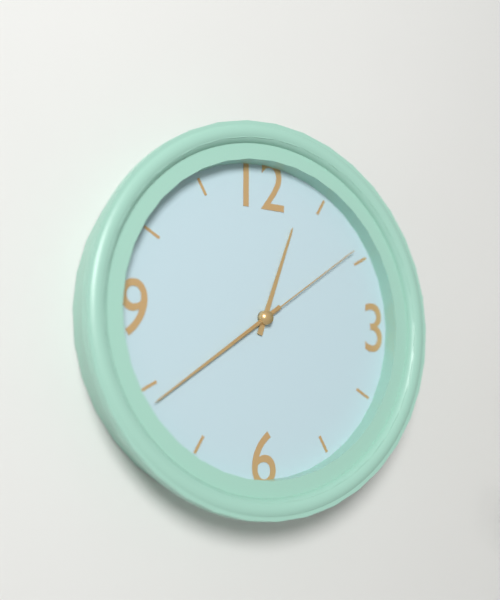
12:39:09
